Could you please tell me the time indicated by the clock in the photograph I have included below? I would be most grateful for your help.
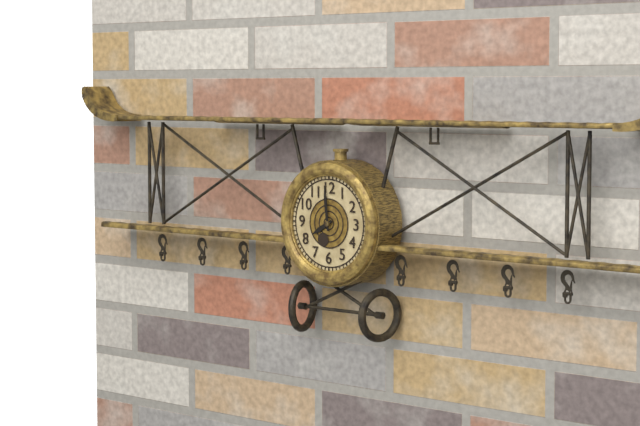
7:59
